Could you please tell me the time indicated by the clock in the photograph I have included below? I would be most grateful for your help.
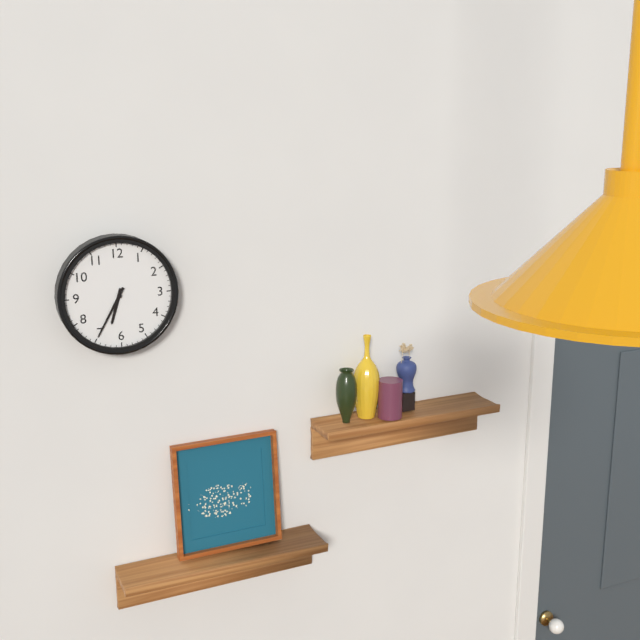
6:35
